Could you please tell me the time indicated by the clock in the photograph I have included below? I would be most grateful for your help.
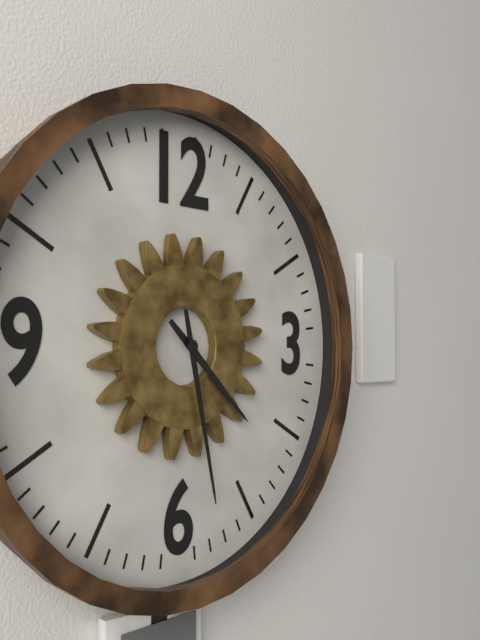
4:28
